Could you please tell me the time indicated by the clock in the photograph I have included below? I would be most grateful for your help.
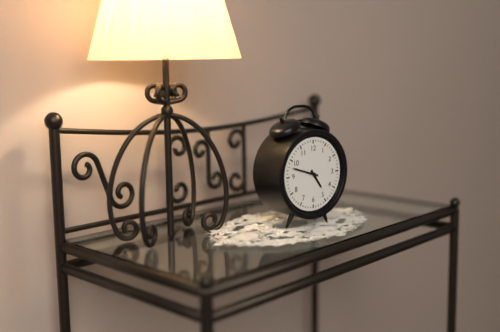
4:48
